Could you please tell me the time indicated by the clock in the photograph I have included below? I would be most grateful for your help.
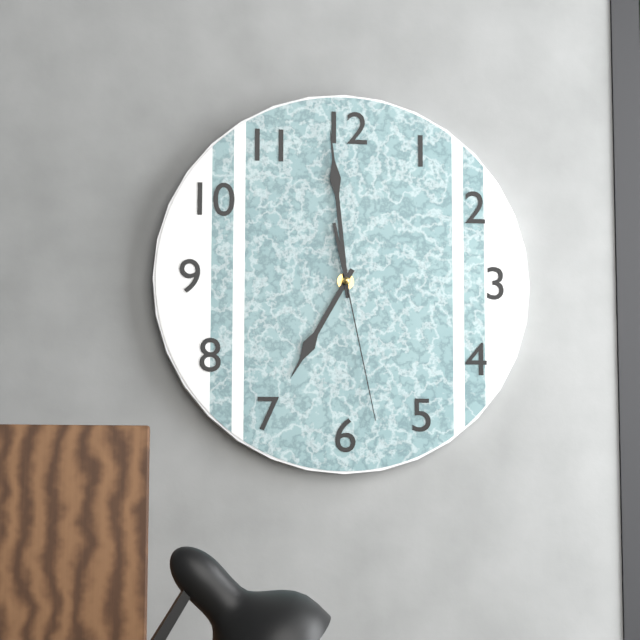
6:59:28
